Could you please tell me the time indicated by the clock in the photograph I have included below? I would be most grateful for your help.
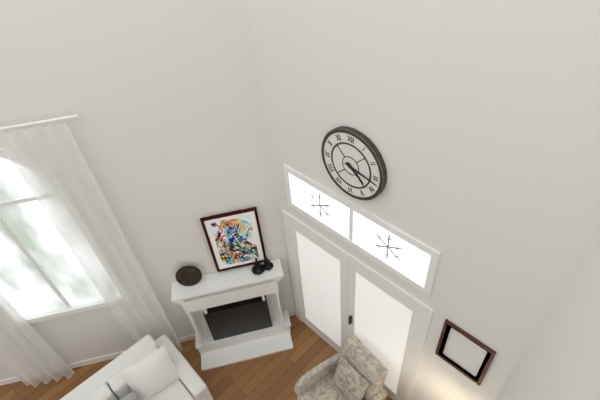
4:17
